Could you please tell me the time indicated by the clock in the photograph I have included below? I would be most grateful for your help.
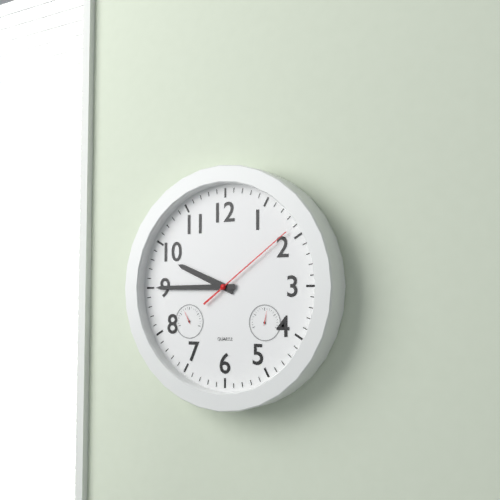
9:45:09
